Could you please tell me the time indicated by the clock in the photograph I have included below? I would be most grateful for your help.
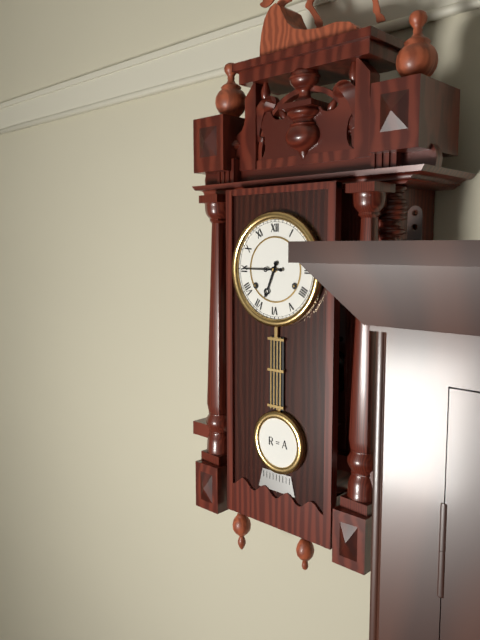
6:45
